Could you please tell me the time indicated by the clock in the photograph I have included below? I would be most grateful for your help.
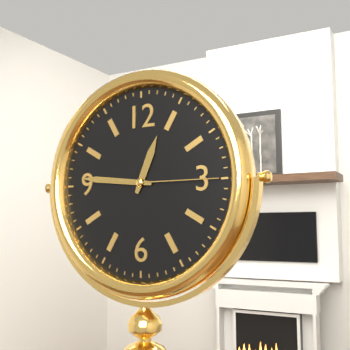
12:46:15
